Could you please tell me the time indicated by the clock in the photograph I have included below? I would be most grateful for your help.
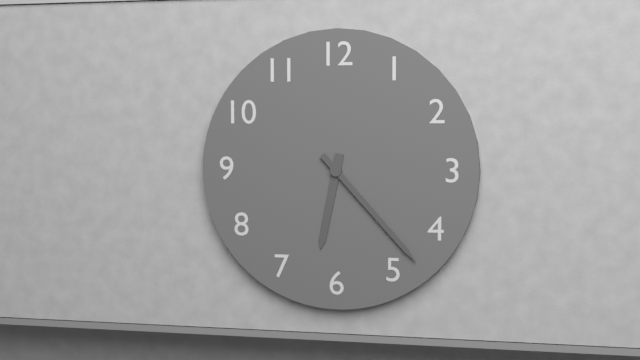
6:23
